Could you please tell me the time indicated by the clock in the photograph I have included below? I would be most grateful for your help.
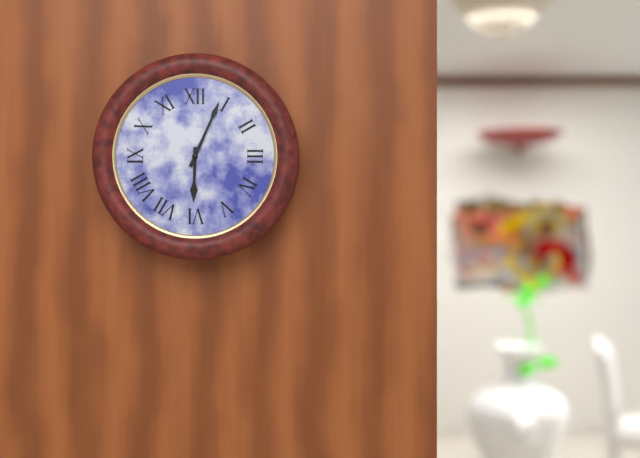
6:04
